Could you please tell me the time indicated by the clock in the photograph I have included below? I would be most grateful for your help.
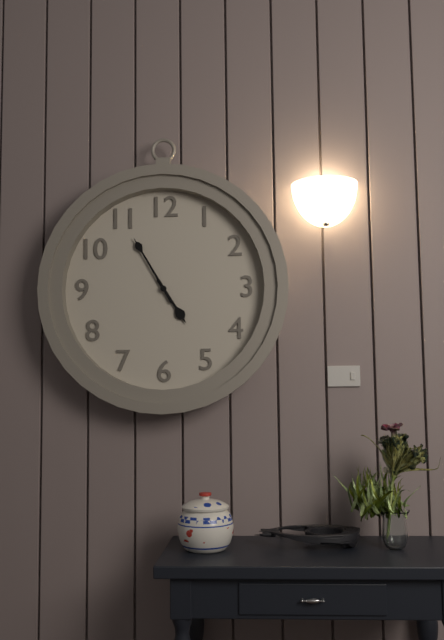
4:55
